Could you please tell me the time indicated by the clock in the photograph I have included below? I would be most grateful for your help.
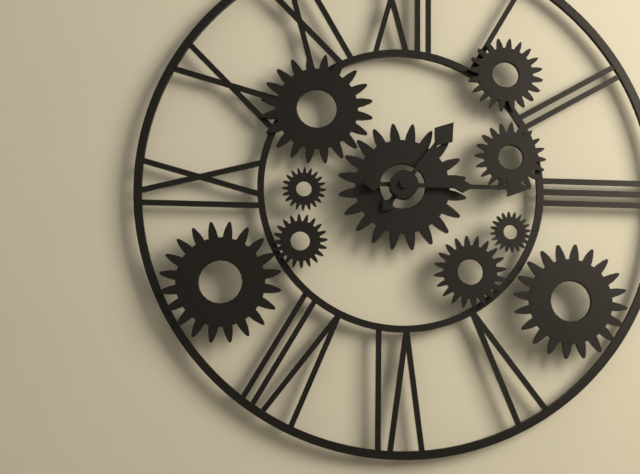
1:15
